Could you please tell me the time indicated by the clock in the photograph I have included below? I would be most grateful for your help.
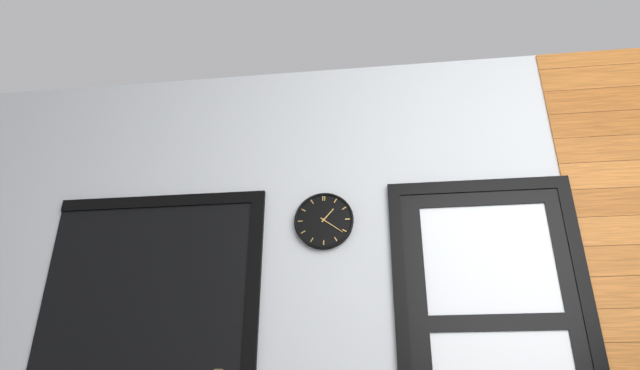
1:21
